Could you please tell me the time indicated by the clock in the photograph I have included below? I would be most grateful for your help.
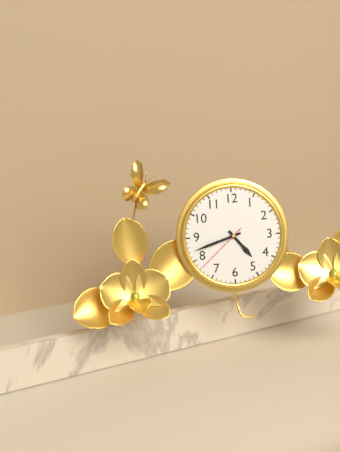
4:42:38
